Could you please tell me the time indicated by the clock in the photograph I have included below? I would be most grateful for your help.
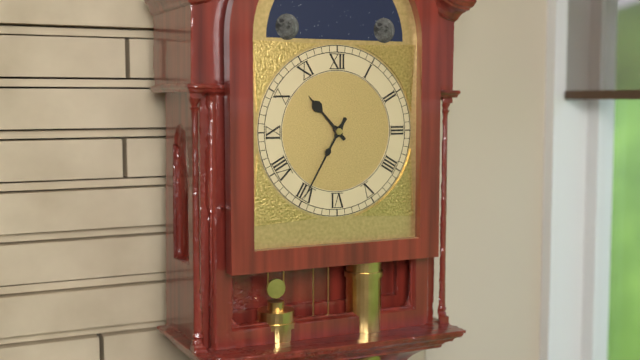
10:35
